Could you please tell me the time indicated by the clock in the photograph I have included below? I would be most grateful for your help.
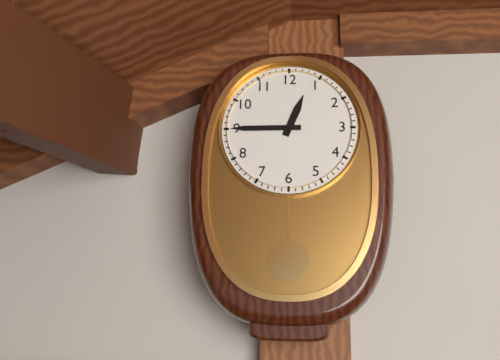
12:45
